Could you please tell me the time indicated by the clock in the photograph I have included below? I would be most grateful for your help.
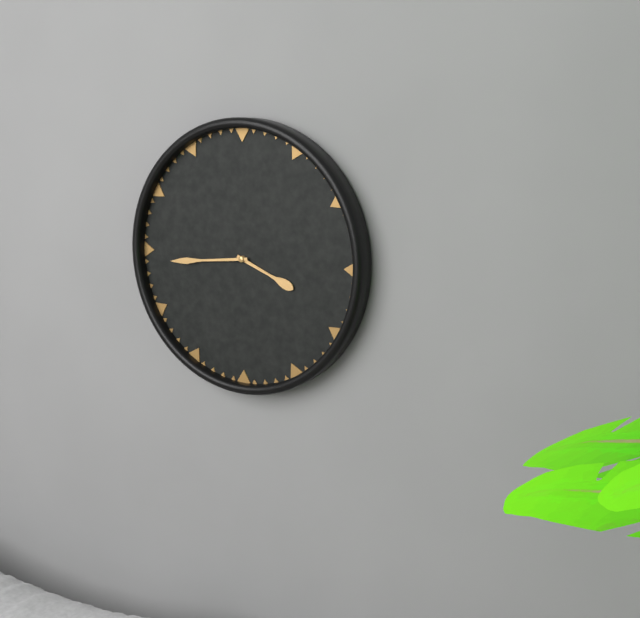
3:44
